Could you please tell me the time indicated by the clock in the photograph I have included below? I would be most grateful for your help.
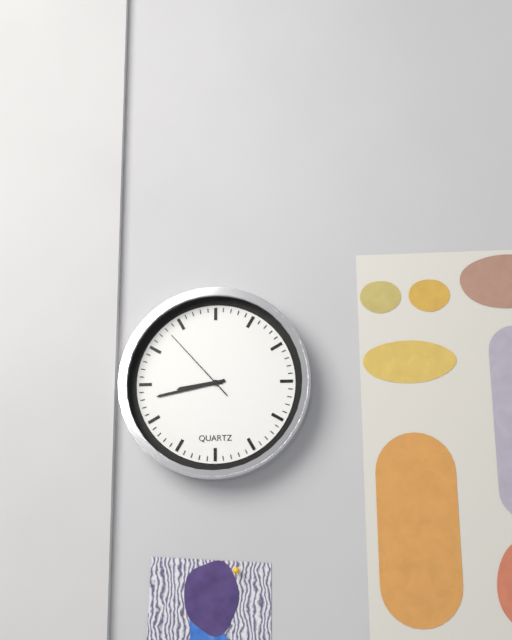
8:43:53
